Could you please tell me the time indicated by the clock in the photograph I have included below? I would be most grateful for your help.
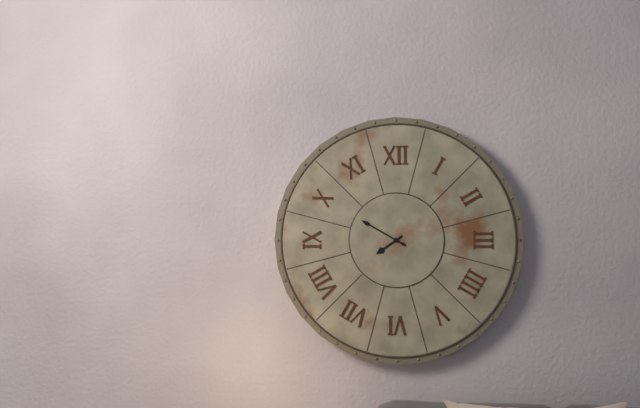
7:50
